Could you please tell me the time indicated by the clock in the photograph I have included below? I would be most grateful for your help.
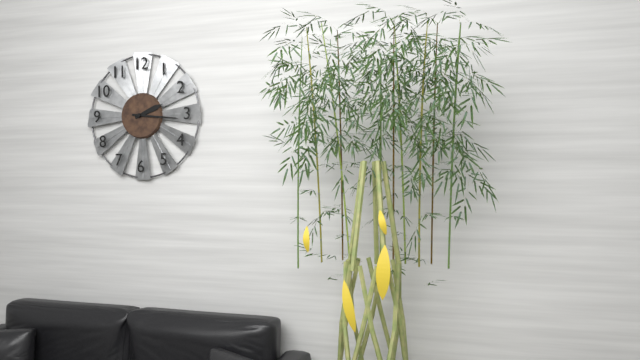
2:16
